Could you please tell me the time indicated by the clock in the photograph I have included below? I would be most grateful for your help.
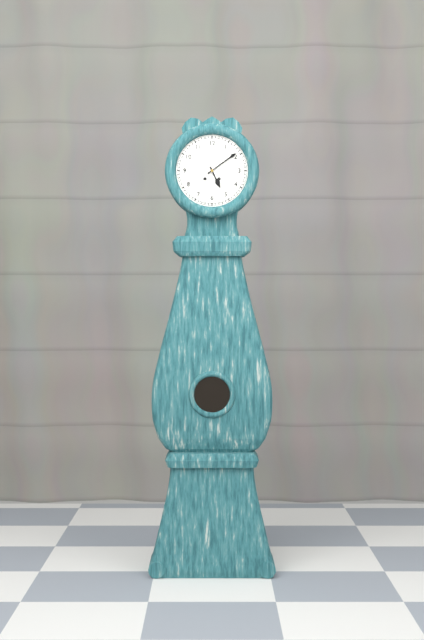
5:09
